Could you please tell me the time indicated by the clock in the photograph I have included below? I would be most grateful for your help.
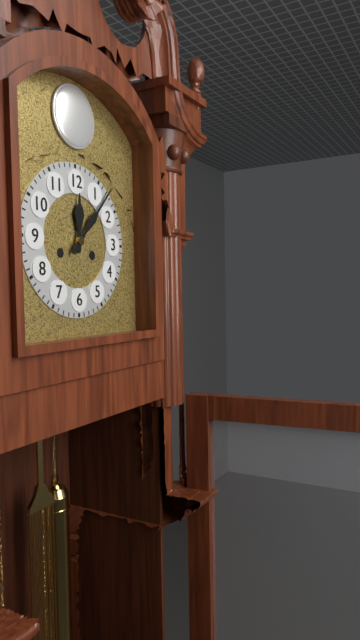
12:07
